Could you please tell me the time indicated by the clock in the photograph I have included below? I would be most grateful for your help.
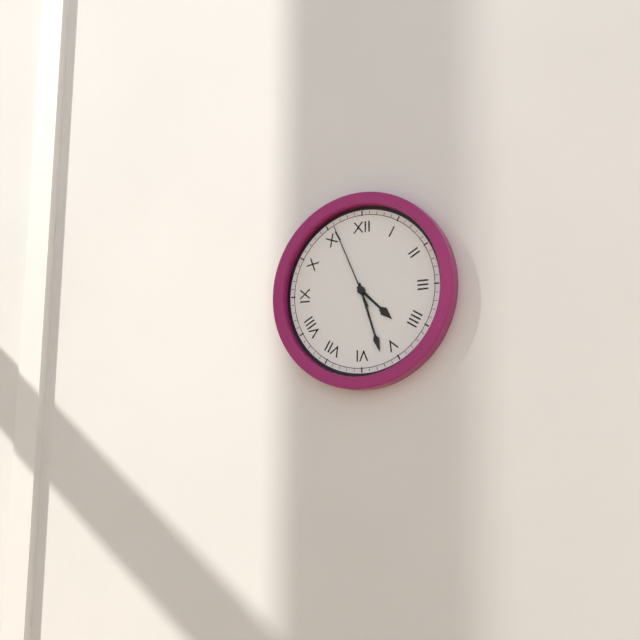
4:27:56
